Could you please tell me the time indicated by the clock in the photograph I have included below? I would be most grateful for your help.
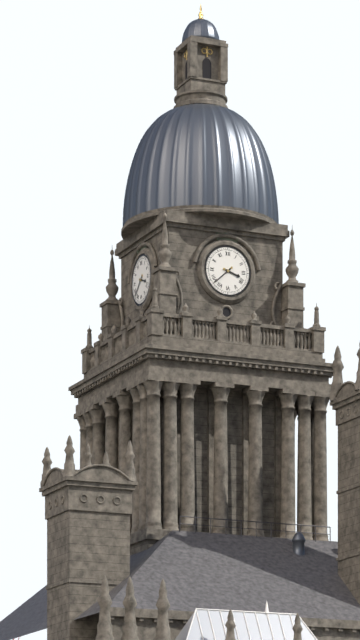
3:38
